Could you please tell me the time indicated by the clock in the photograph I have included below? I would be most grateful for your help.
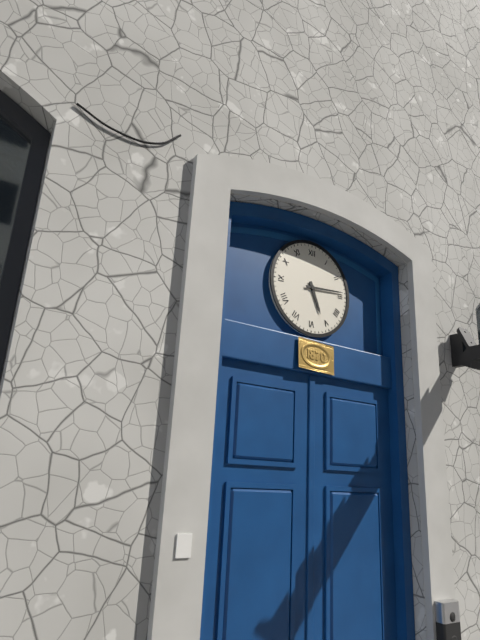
5:14
